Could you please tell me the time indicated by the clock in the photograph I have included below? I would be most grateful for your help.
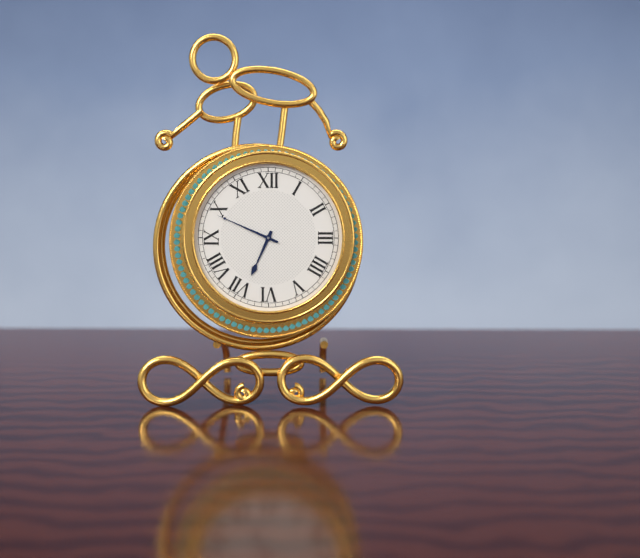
6:49
